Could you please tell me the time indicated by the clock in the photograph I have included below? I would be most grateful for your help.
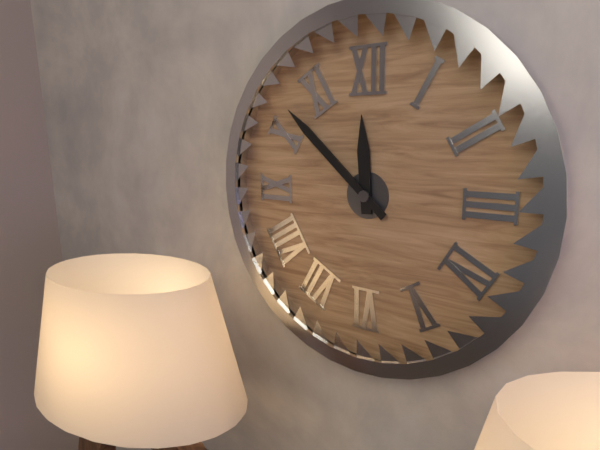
11:52
